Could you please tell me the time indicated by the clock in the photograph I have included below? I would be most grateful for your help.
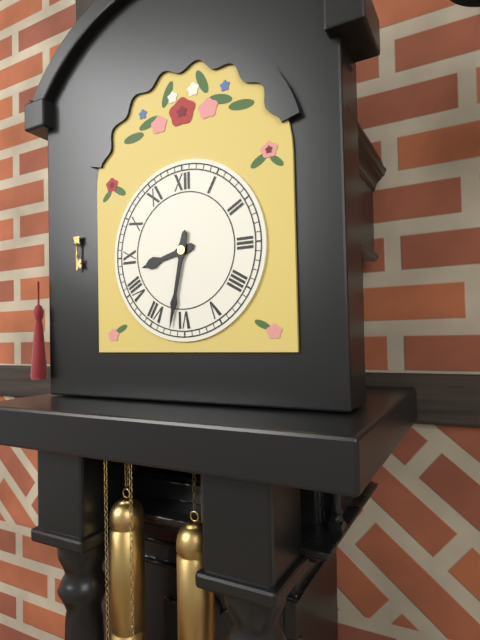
8:32
